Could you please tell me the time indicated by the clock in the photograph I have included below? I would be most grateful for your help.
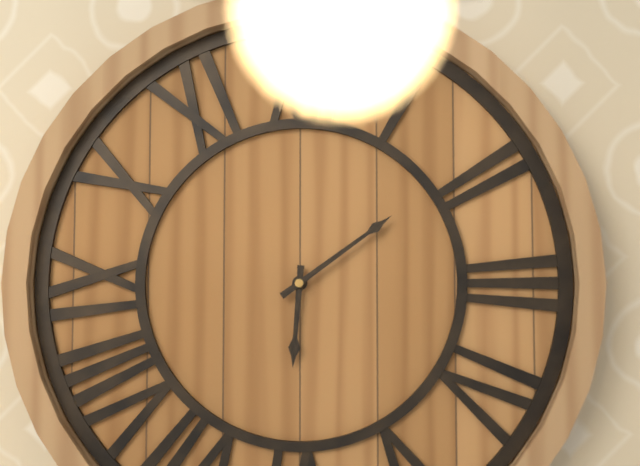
6:09
